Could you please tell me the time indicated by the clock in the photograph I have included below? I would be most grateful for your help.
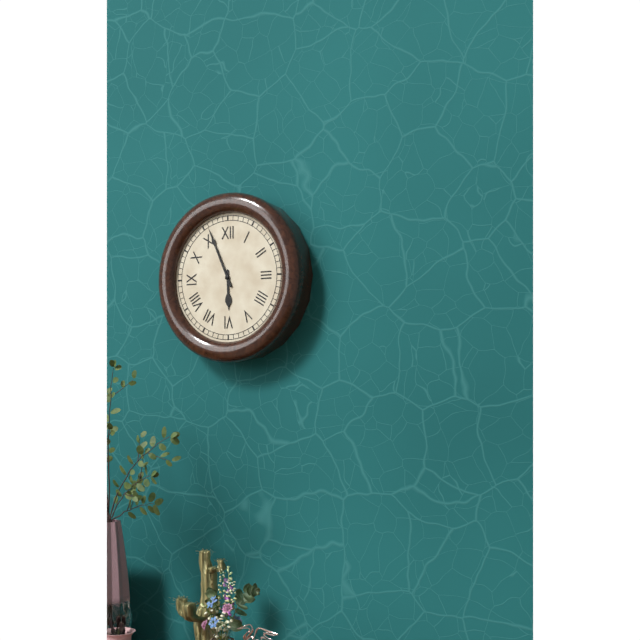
5:56
